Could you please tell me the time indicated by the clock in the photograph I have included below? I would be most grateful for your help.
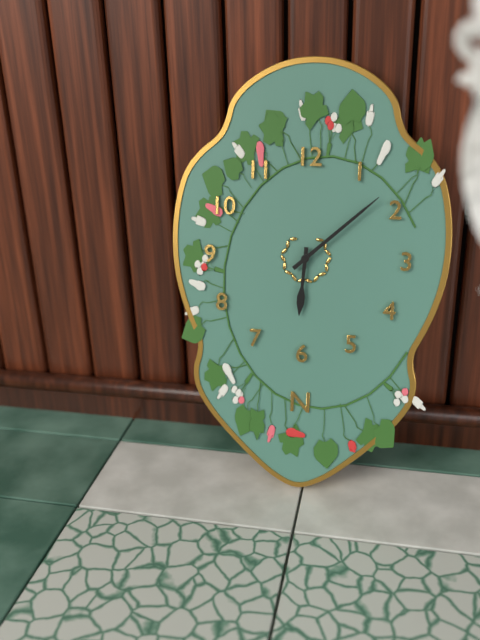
6:08
